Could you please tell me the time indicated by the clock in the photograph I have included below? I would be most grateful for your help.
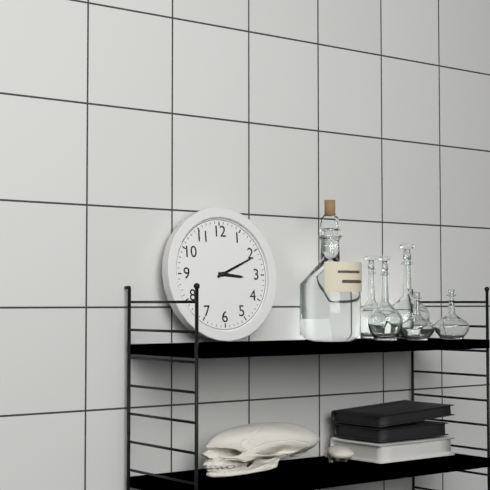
3:11
